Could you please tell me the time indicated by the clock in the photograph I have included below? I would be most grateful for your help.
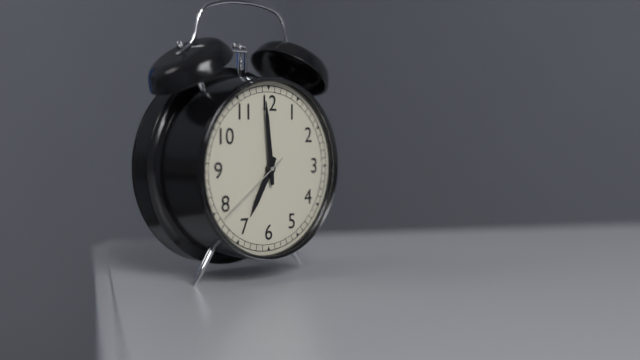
6:59:39
